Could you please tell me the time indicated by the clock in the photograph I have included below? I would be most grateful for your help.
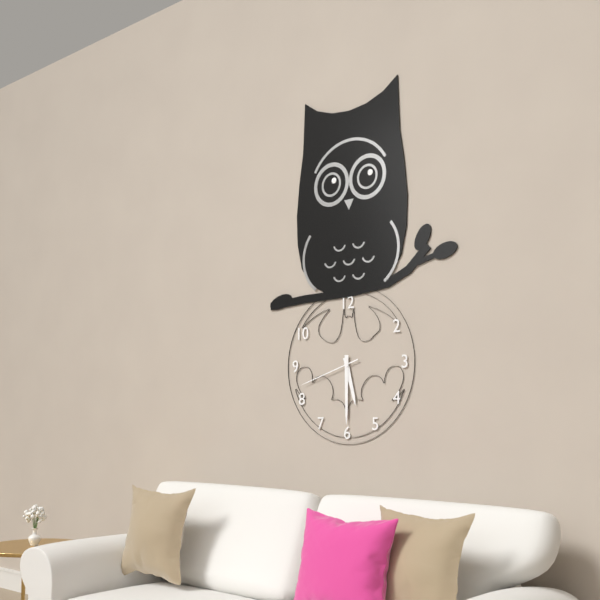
5:30:42
